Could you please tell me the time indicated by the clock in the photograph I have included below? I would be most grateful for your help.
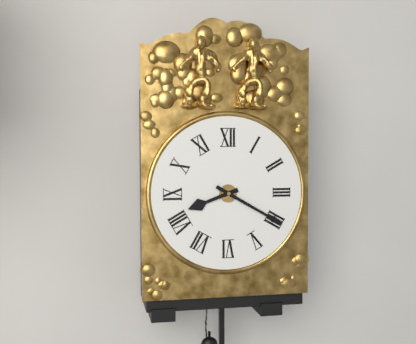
8:20
